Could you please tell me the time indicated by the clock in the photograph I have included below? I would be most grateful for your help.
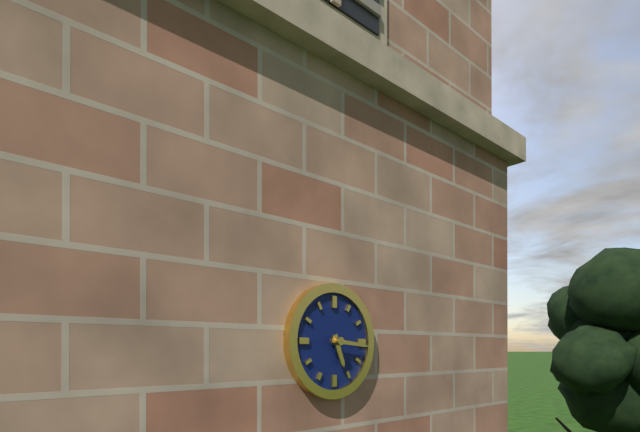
5:16
